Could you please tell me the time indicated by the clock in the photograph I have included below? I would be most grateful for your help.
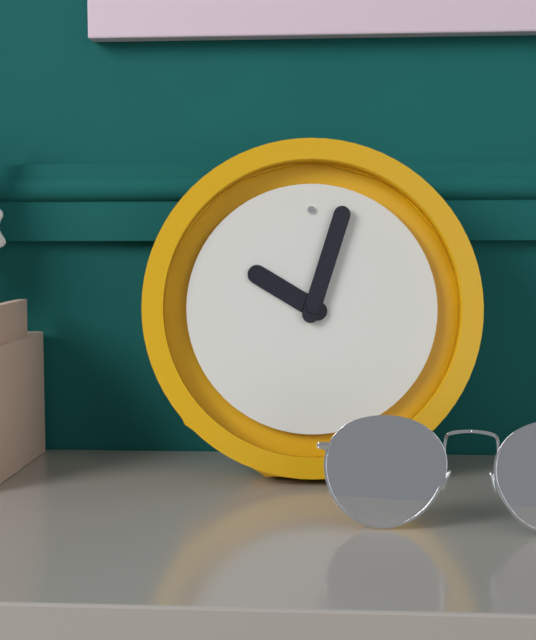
10:03
